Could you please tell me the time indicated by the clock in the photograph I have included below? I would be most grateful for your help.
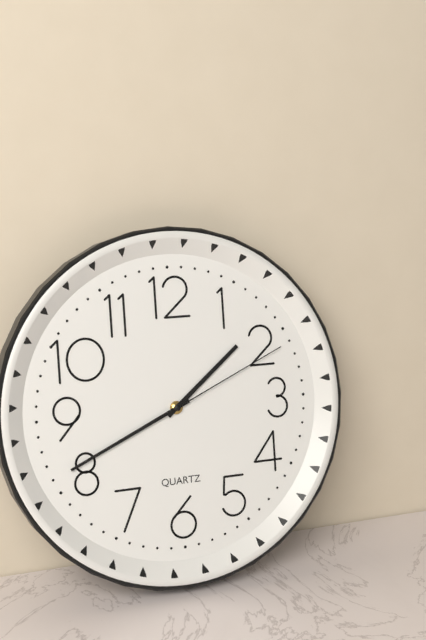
1:41:11
